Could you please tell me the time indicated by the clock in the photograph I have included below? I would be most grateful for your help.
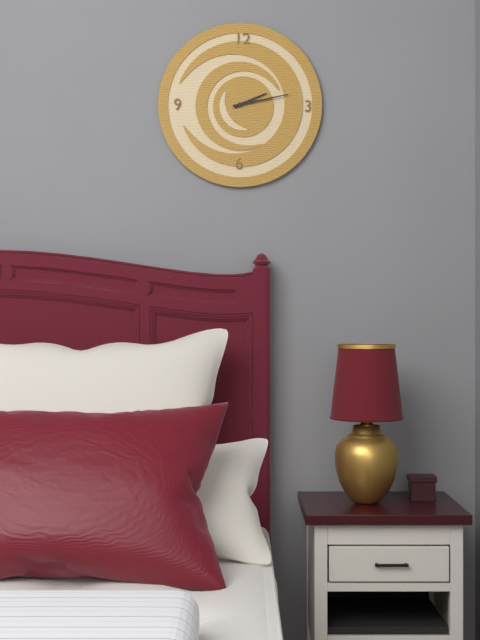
2:13
